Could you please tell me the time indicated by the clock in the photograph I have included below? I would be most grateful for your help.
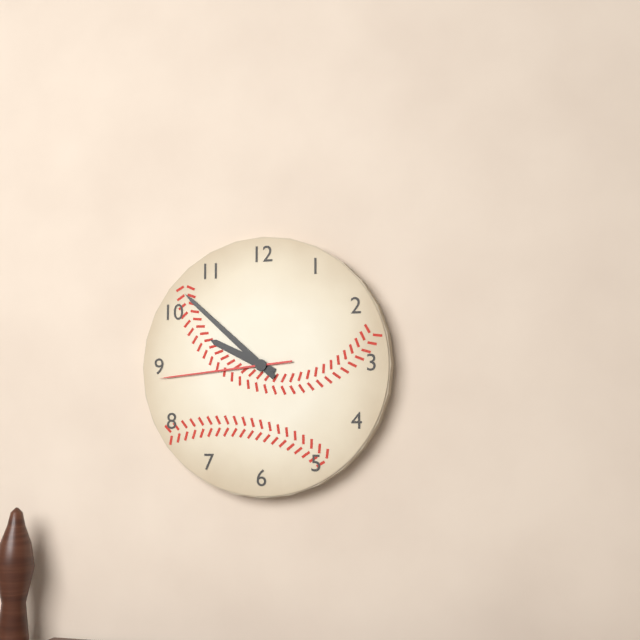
9:52:44
